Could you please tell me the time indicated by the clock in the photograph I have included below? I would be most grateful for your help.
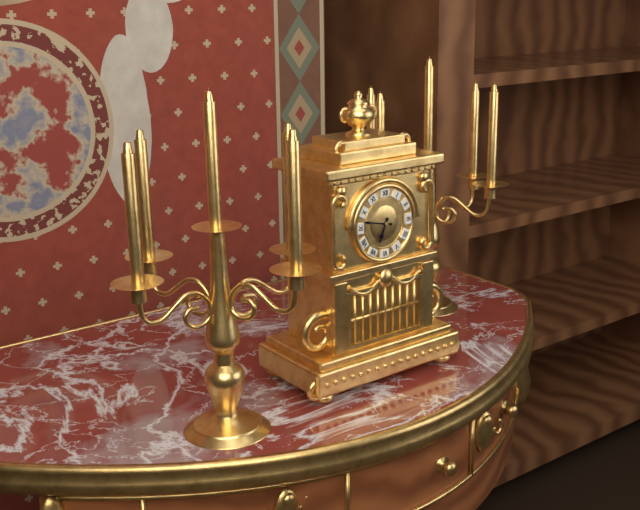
6:47
